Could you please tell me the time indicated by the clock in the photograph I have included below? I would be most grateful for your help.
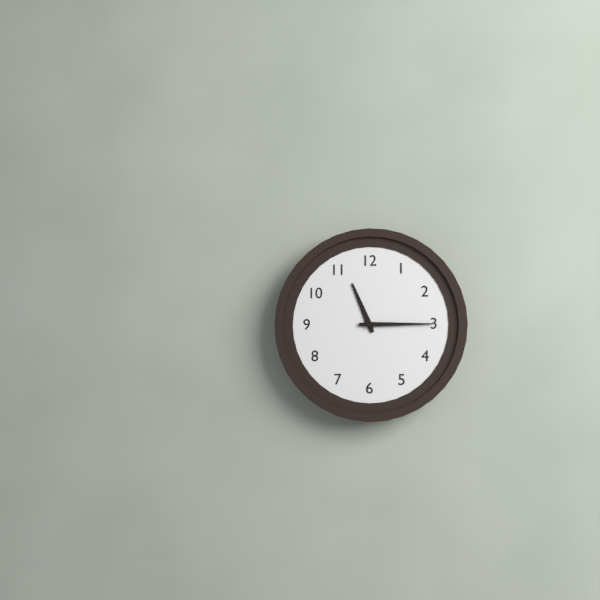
11:15
